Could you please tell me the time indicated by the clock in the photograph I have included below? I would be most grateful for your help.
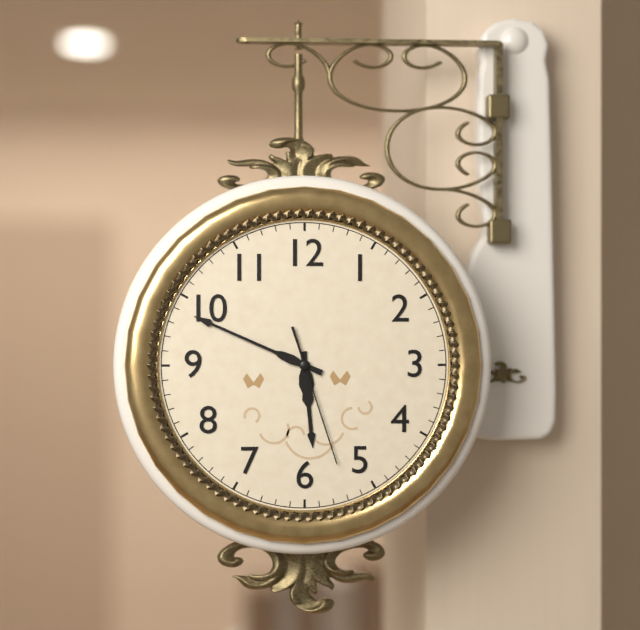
5:49:27
